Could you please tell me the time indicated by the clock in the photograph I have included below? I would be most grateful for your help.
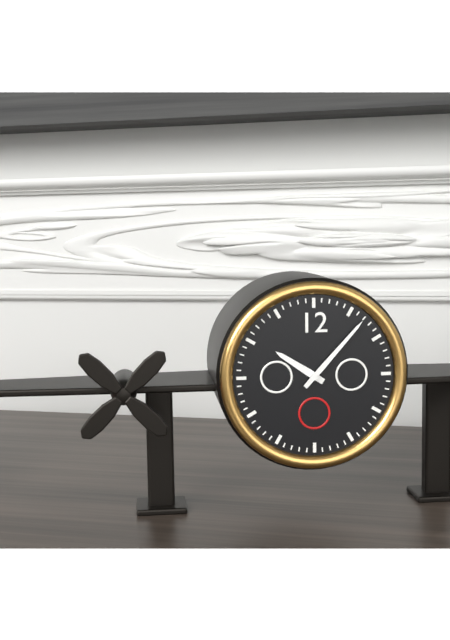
10:07
